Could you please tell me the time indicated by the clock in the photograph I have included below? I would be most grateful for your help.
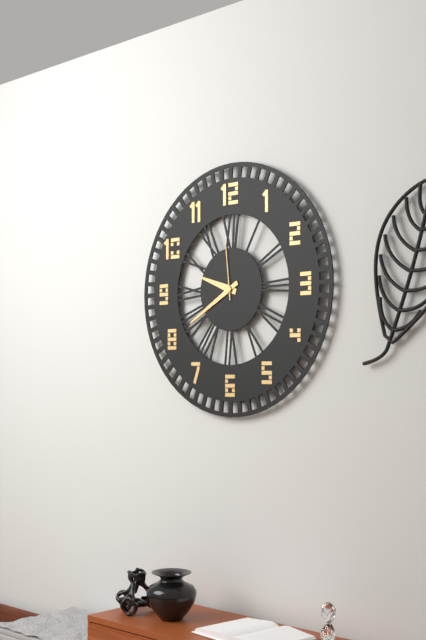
9:40:59
